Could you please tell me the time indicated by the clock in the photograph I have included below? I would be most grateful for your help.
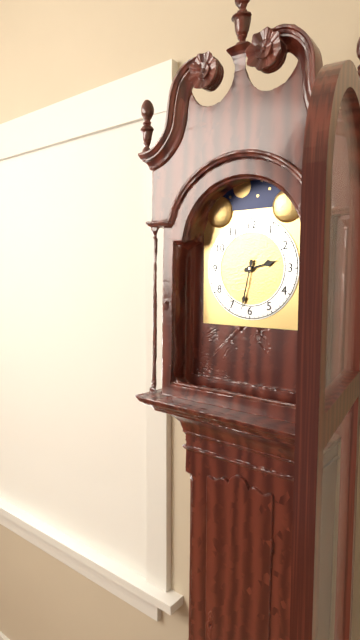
2:32
